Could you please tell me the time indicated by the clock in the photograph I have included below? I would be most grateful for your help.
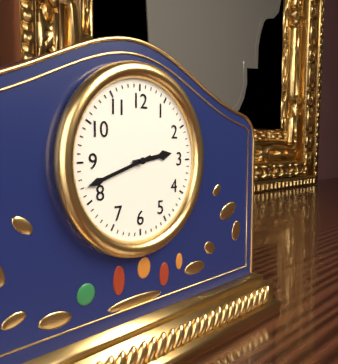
2:42
